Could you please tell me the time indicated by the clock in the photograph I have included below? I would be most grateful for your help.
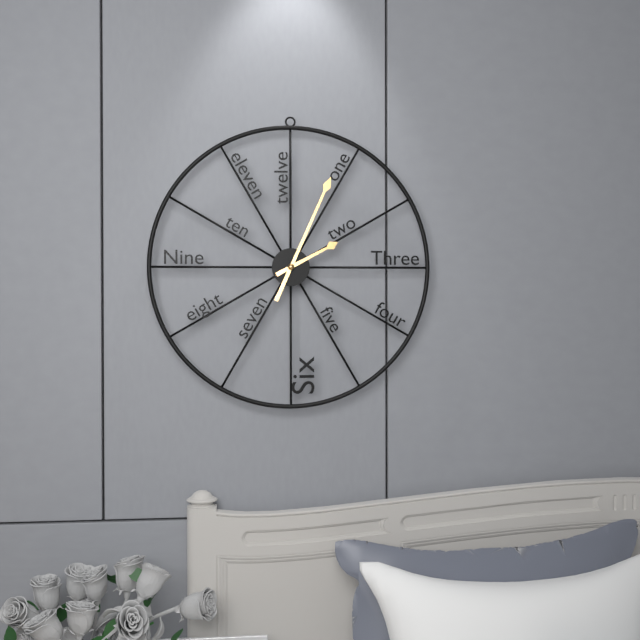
2:04
